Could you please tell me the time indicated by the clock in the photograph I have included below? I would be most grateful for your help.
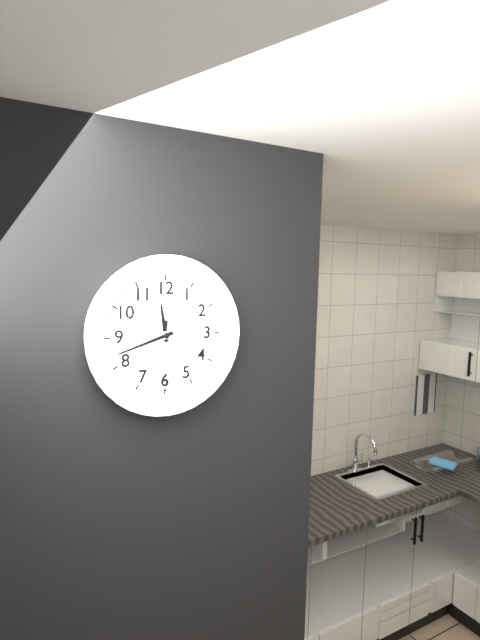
11:42:30
